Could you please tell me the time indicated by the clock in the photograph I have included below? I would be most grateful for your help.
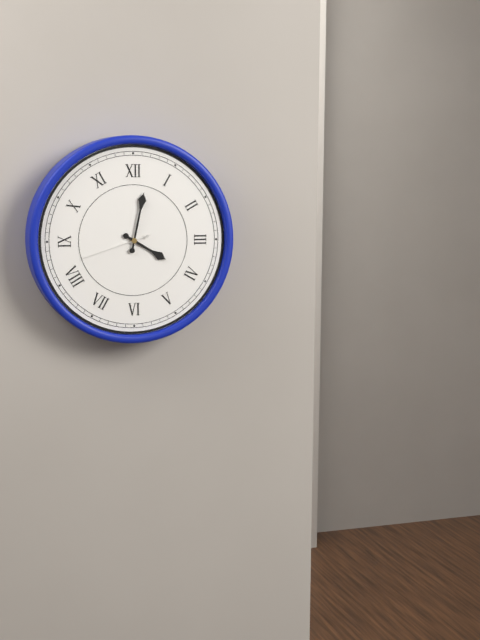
4:02:42
